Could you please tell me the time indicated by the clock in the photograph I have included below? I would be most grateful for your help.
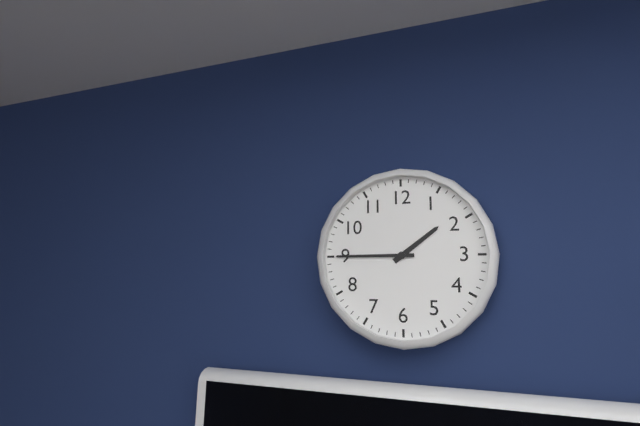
1:45
